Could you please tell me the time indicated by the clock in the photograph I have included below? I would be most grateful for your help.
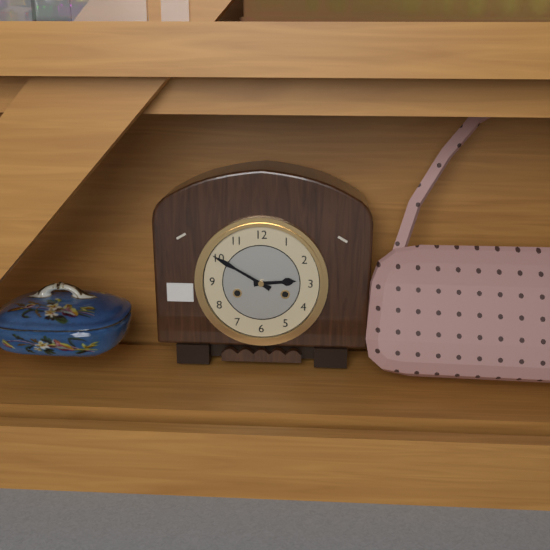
2:50
